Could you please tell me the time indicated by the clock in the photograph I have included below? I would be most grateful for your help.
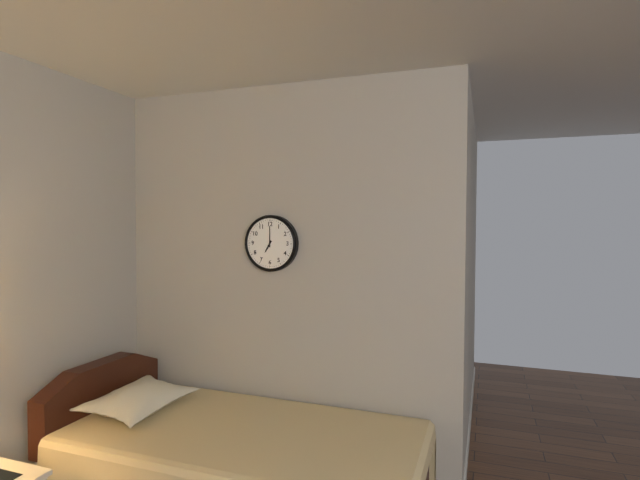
7:00
